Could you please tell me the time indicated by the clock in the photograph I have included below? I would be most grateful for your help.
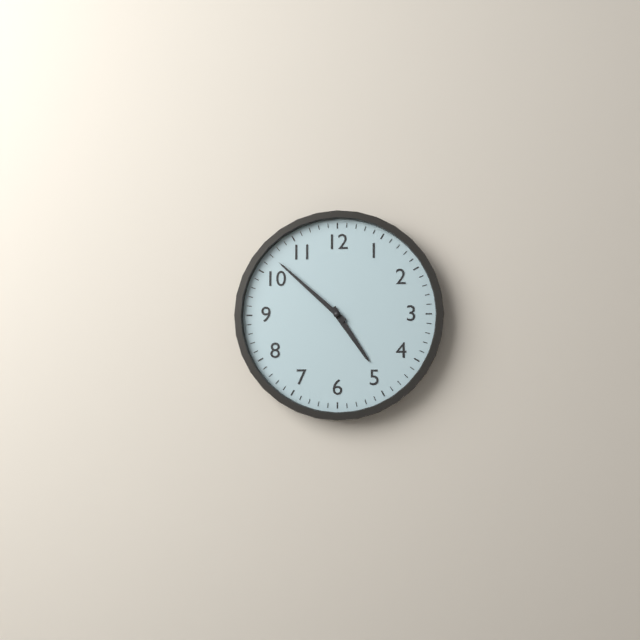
4:52
